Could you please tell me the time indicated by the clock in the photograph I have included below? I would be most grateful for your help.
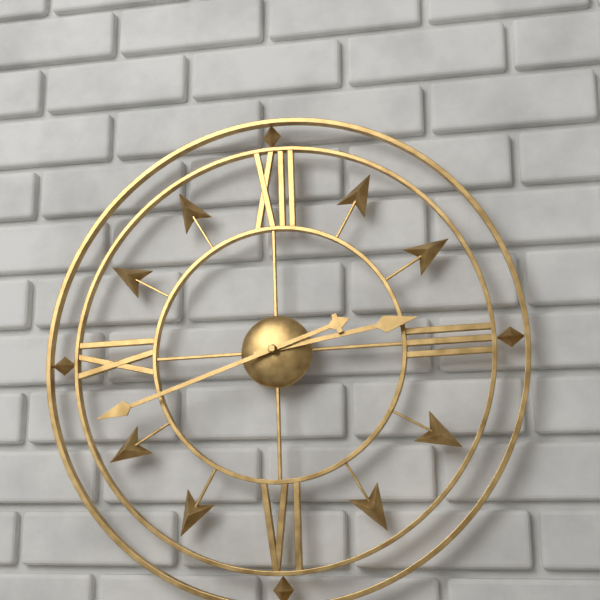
2:42
